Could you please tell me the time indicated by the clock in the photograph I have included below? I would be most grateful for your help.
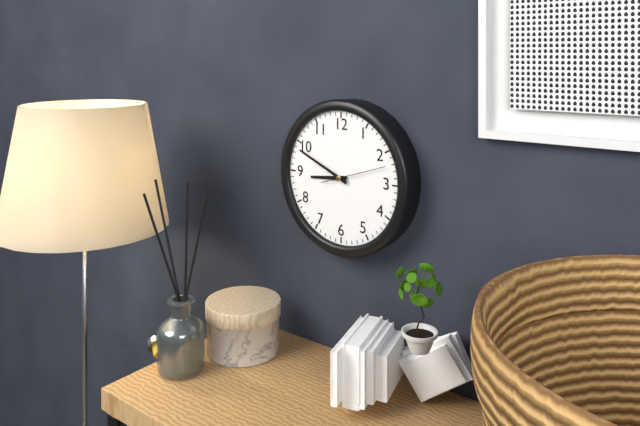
8:49:12
